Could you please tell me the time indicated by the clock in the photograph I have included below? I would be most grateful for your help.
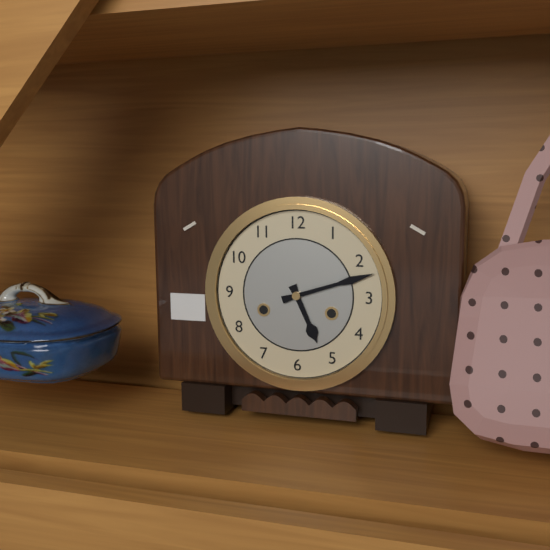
5:12
